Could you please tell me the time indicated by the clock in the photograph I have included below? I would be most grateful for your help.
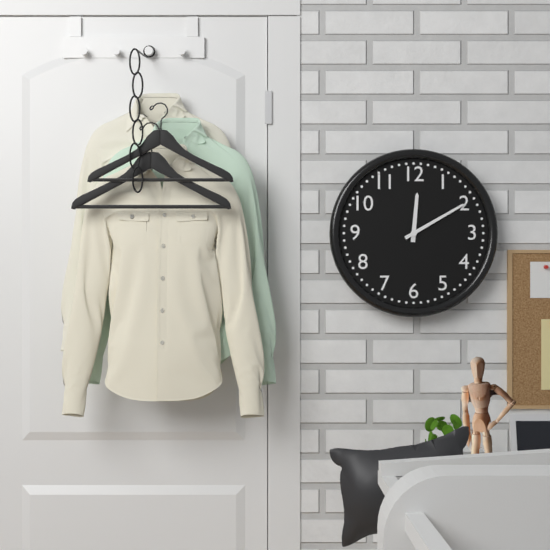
12:10
